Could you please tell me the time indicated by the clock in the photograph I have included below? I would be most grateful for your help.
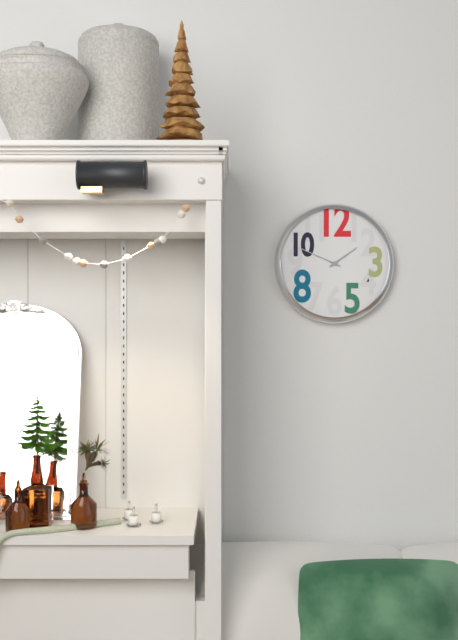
1:49
